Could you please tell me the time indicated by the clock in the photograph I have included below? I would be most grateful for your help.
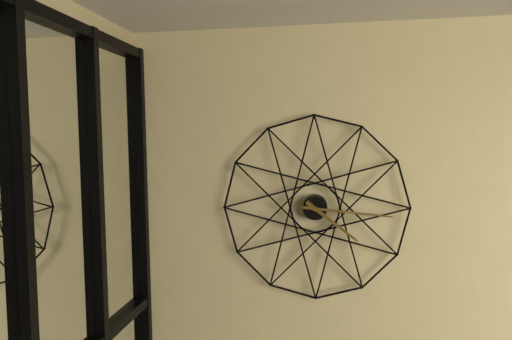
4:16
